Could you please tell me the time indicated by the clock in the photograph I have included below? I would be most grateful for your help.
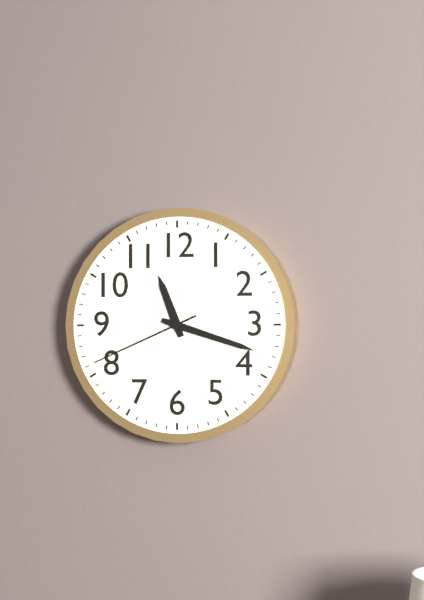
11:18:41
